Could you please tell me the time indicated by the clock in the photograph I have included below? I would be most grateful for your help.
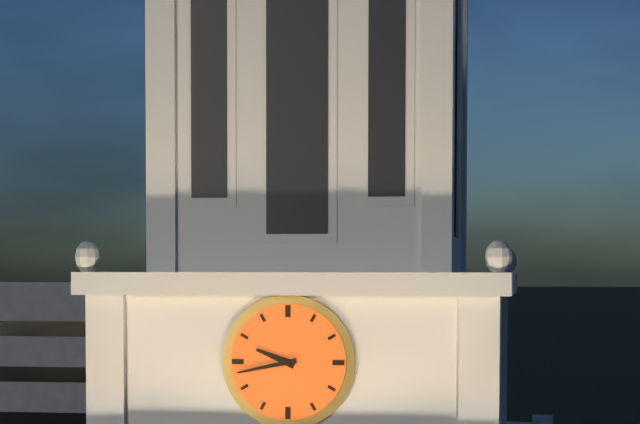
9:43
